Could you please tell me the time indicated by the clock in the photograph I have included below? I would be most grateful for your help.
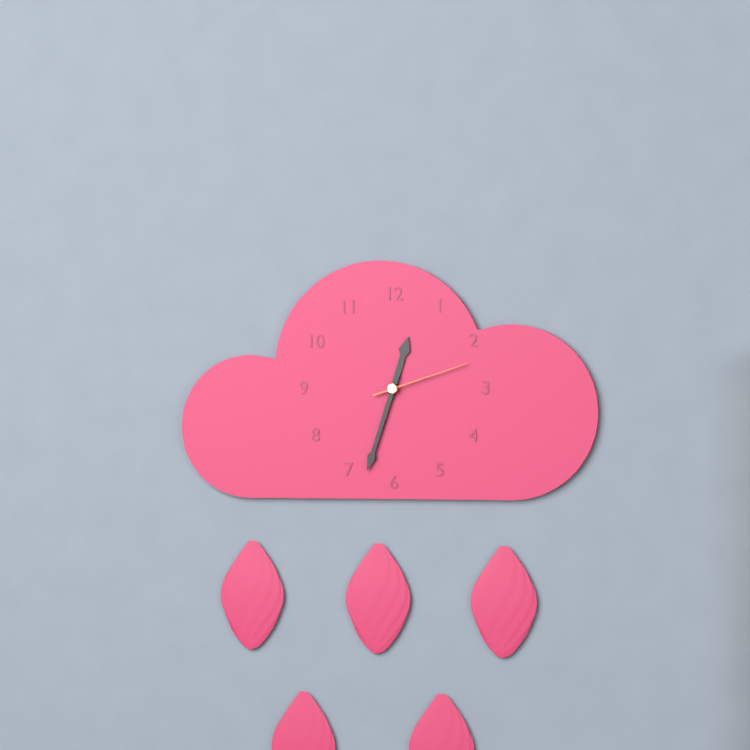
12:33:12
